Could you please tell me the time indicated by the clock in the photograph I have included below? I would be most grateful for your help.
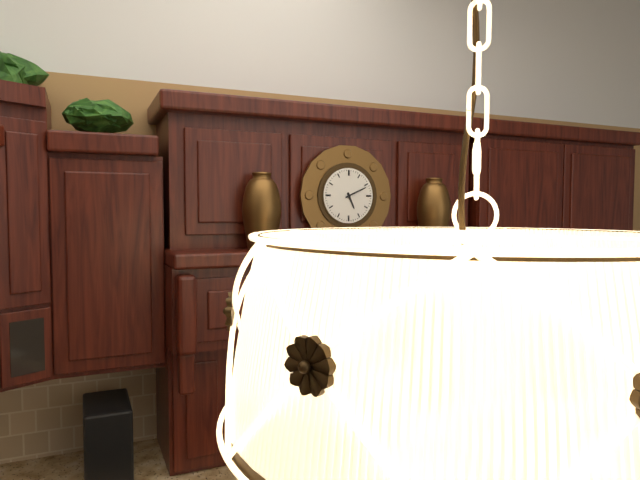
5:11
